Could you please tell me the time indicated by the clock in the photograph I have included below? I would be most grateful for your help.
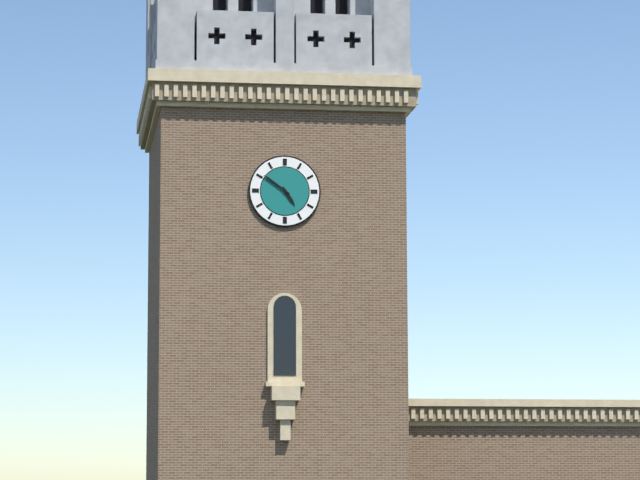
4:51
